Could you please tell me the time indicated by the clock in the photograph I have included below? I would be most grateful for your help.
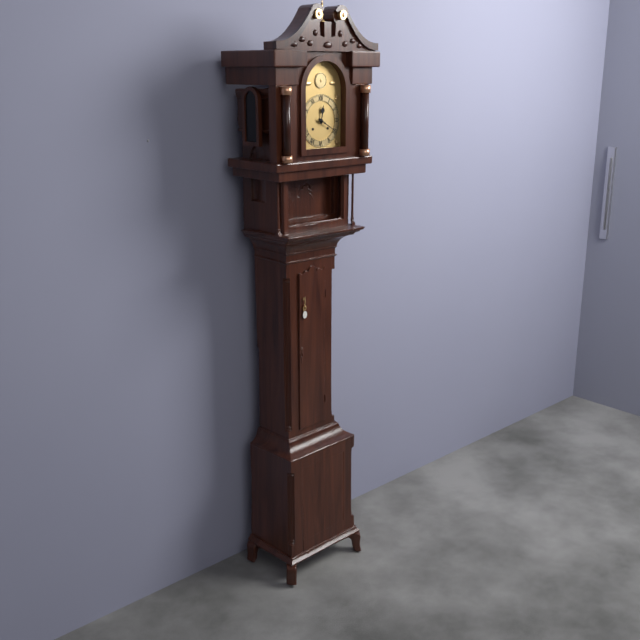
12:20
